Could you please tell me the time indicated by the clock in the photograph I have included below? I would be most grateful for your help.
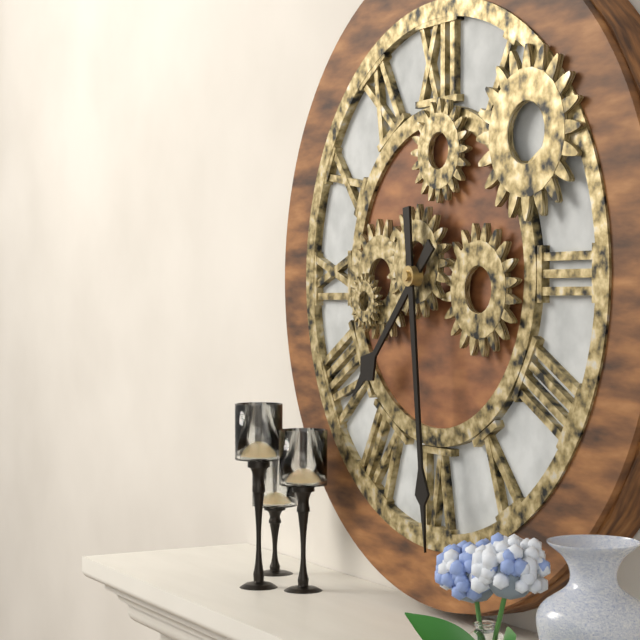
7:29
